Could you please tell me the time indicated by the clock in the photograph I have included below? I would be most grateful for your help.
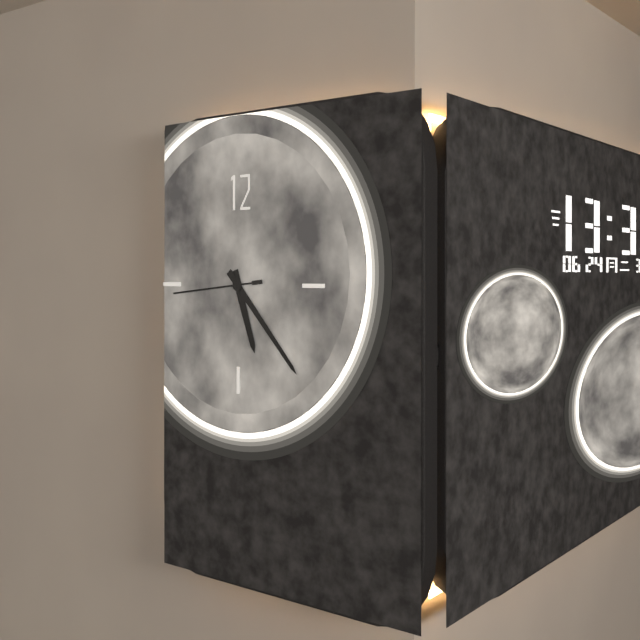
5:23:44
